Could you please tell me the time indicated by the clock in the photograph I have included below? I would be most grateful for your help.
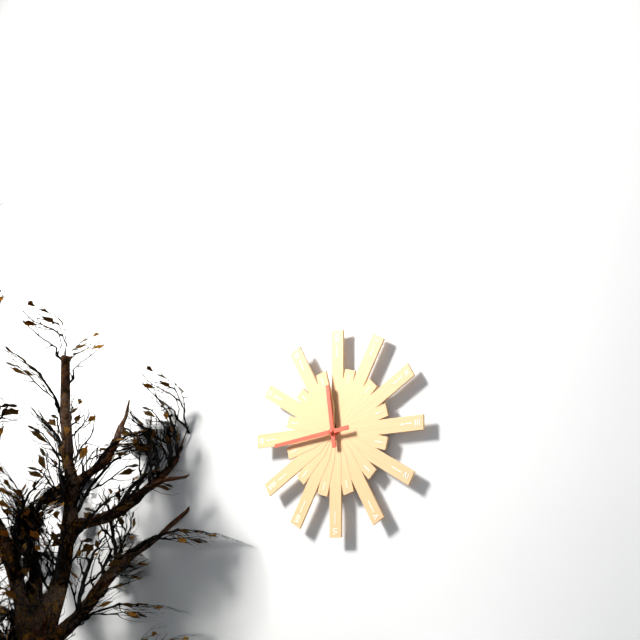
11:44
